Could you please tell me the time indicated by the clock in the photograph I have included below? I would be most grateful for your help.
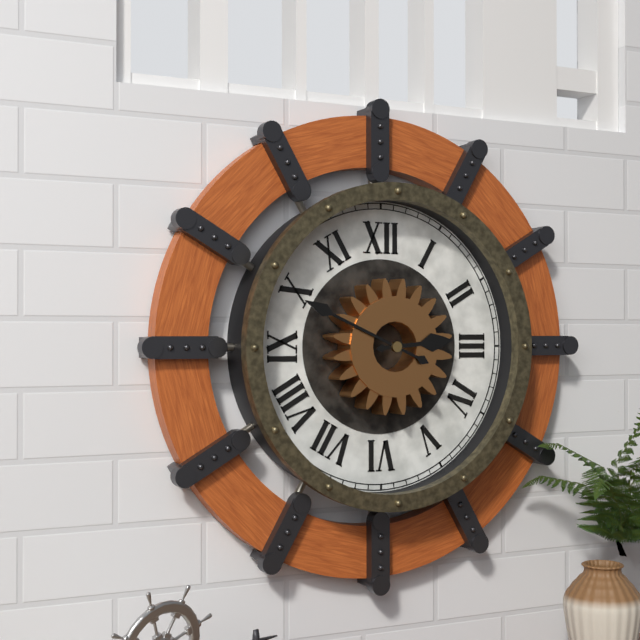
2:49
